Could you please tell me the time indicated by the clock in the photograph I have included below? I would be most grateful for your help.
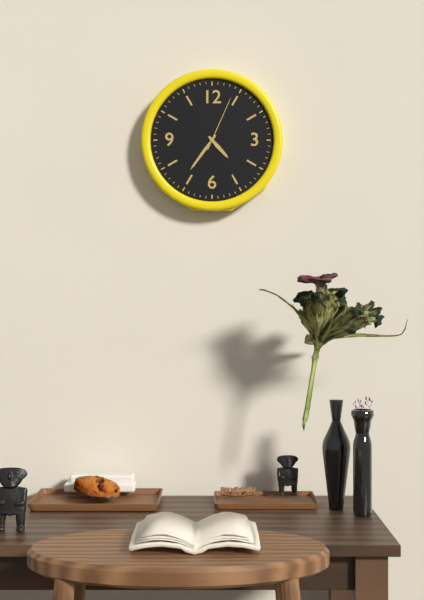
4:36:04
